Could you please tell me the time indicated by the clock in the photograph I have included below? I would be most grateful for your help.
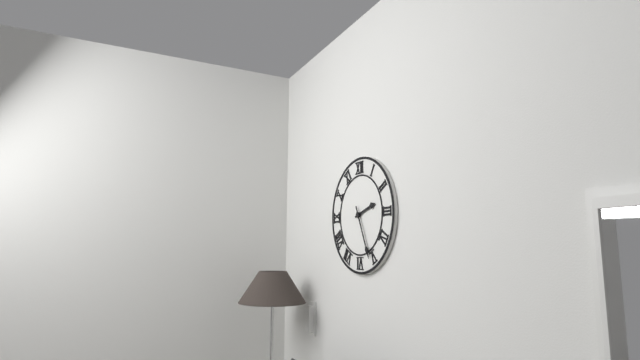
2:26
